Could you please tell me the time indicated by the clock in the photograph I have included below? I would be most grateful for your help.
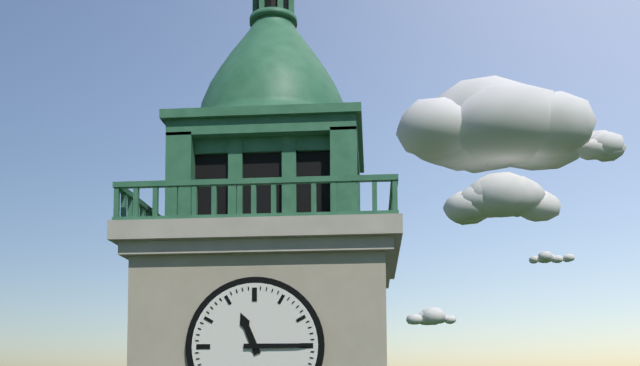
11:15
